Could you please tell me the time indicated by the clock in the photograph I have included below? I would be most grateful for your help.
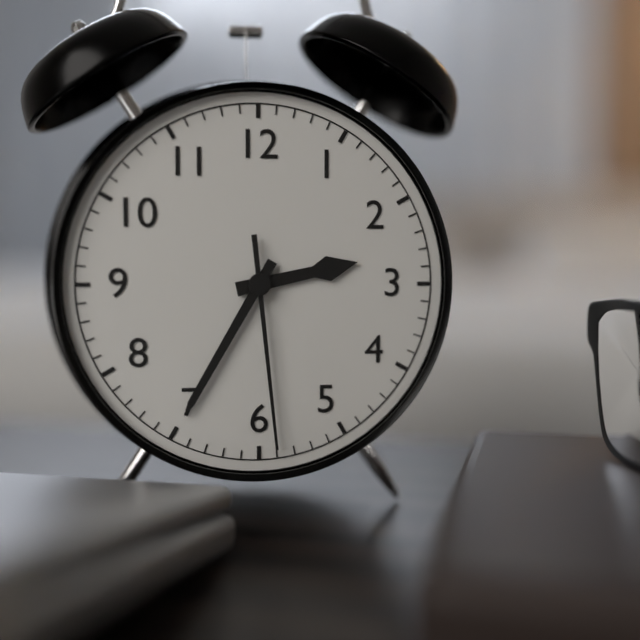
2:35:29
